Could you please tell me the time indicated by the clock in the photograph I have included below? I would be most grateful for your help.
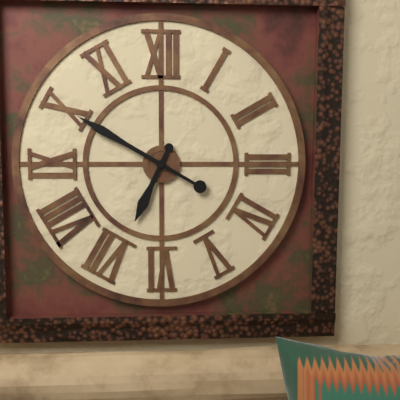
6:50
